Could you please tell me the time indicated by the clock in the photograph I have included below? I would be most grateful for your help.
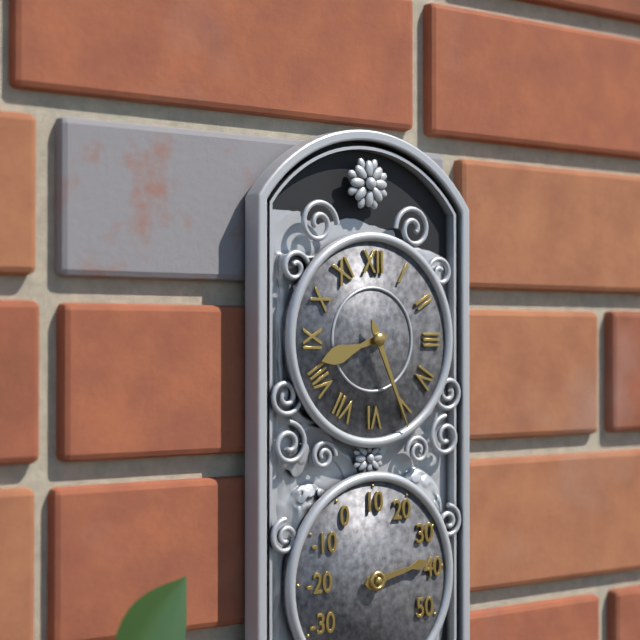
8:26
